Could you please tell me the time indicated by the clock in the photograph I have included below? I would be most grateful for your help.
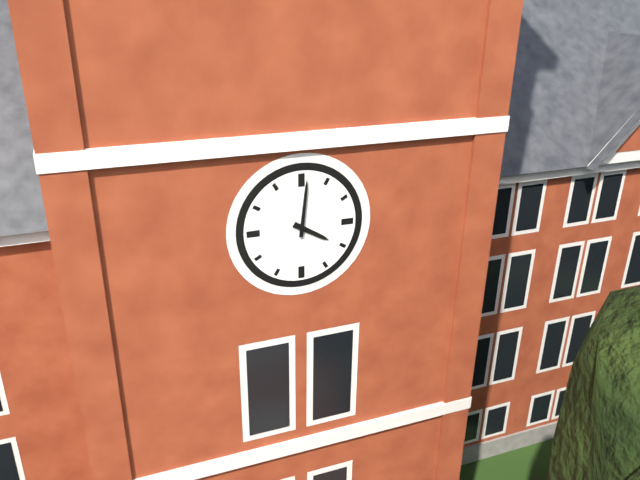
4:01
